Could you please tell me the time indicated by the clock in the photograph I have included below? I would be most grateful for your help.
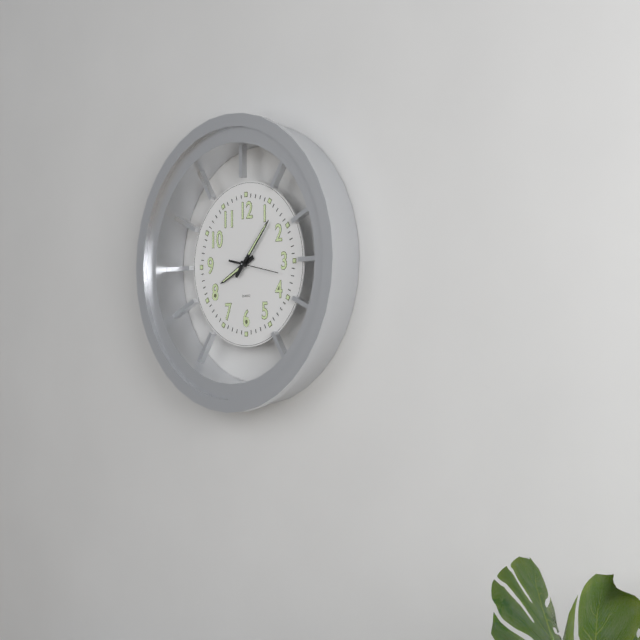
8:07
